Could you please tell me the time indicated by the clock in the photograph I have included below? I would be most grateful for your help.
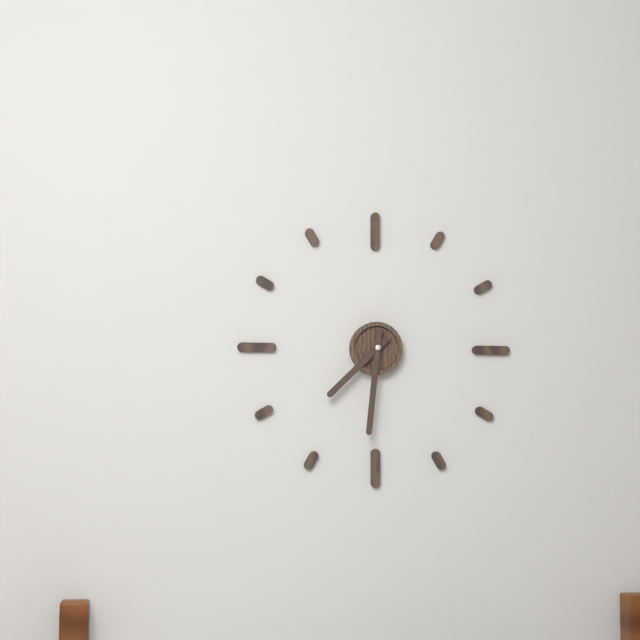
7:31
